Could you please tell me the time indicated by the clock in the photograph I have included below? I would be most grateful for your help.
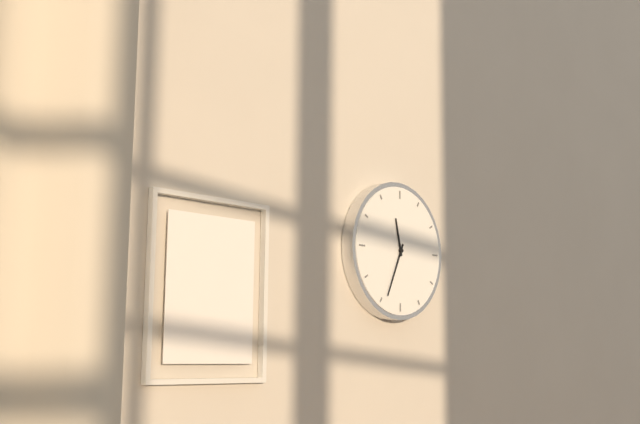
11:34
